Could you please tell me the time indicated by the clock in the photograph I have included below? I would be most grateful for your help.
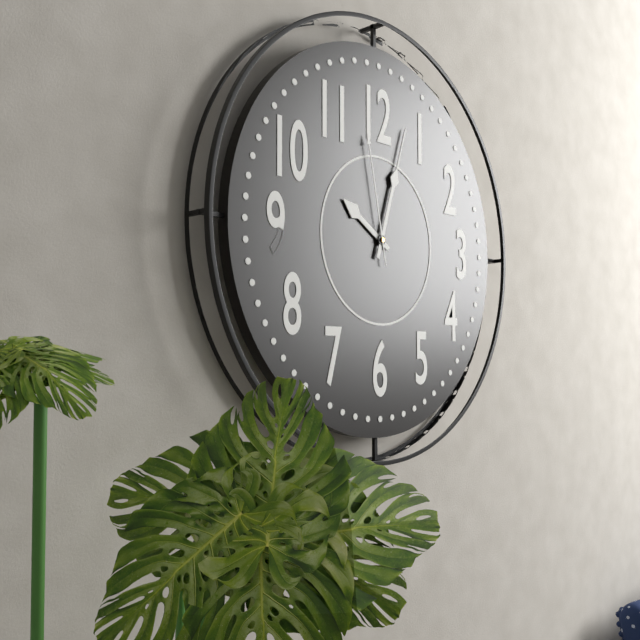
10:03:58
